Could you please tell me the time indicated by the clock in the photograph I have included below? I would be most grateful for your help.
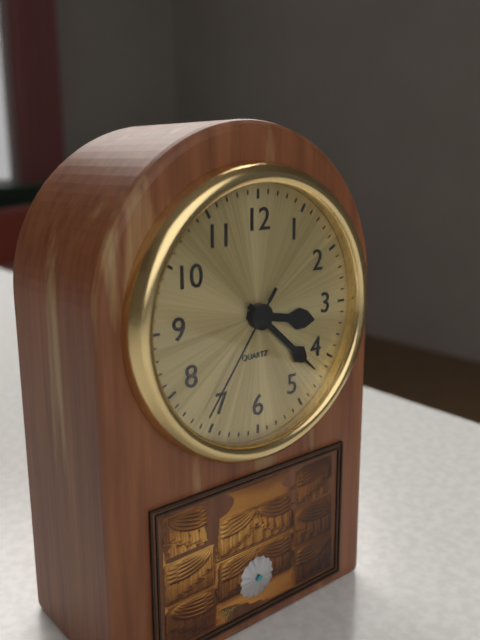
3:22:36
